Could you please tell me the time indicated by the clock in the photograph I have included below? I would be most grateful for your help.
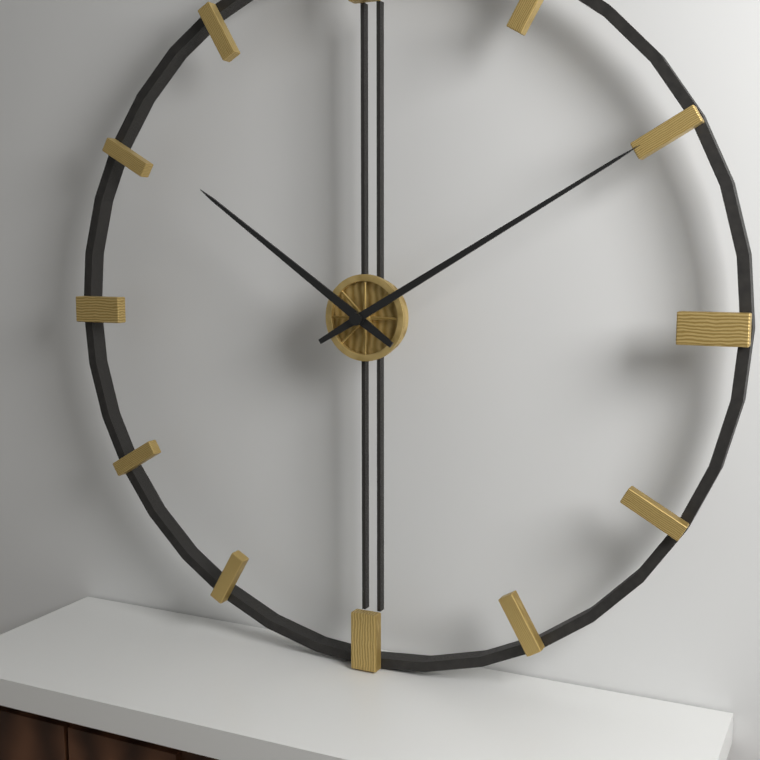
10:10
